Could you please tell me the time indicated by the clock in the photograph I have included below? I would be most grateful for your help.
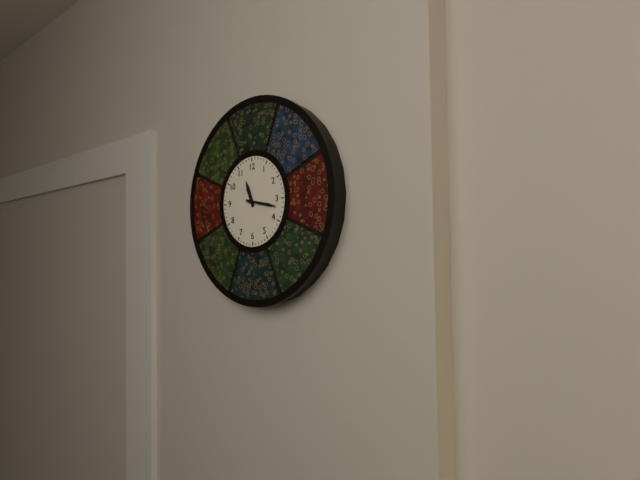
11:17
